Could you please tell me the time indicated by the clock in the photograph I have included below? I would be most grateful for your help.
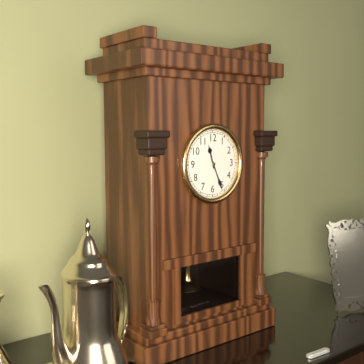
11:26
